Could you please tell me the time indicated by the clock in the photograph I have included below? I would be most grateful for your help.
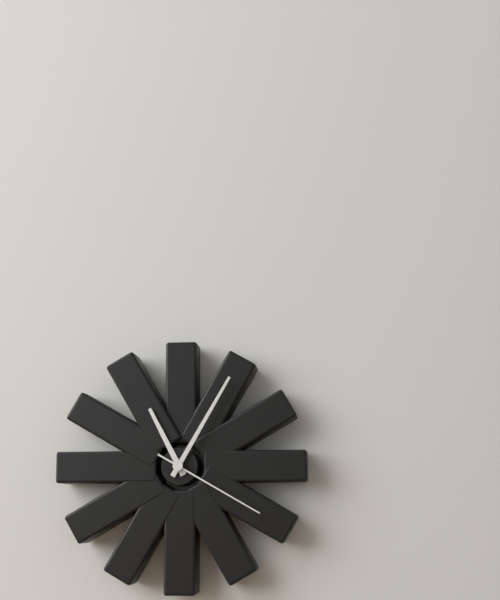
11:05:20
